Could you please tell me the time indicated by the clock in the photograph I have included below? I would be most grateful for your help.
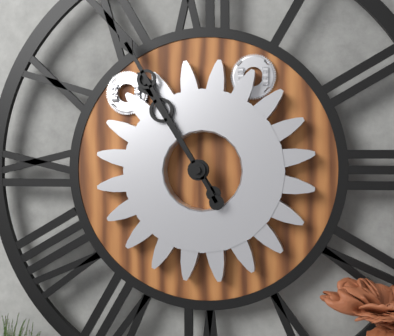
10:55
